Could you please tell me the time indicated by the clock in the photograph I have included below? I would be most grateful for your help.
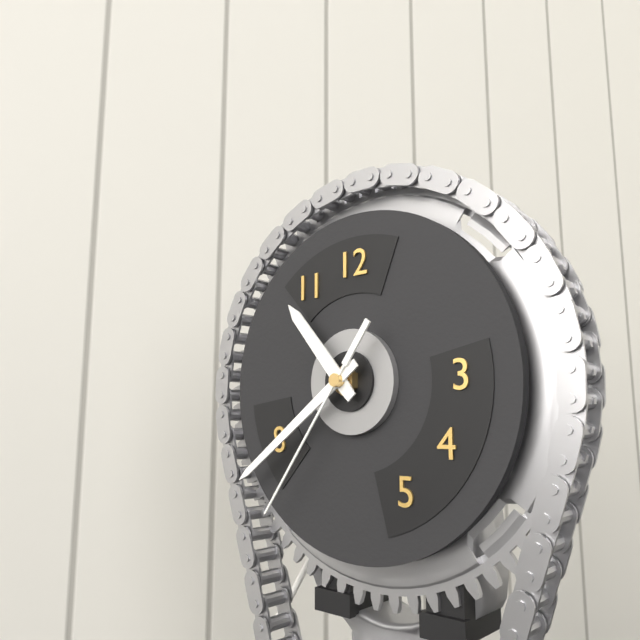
10:39:36
